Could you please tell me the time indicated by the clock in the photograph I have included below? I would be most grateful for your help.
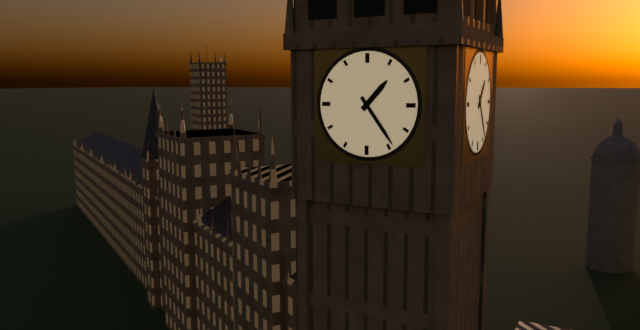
1:24
